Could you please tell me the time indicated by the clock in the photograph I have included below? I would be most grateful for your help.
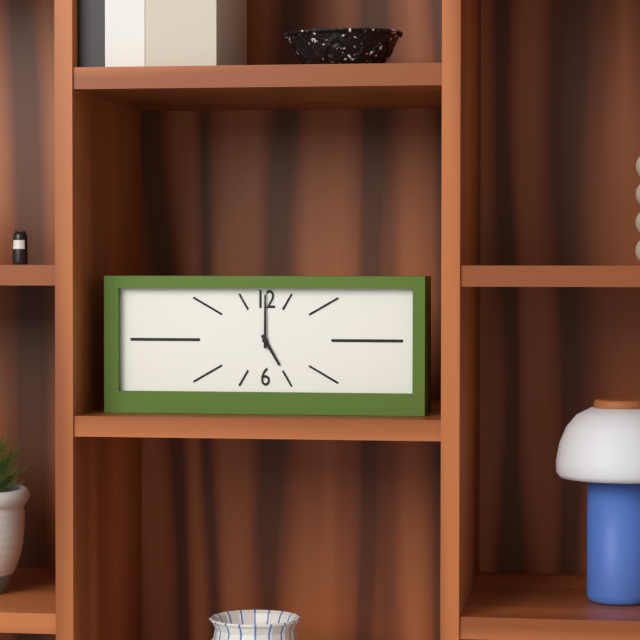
5:00
